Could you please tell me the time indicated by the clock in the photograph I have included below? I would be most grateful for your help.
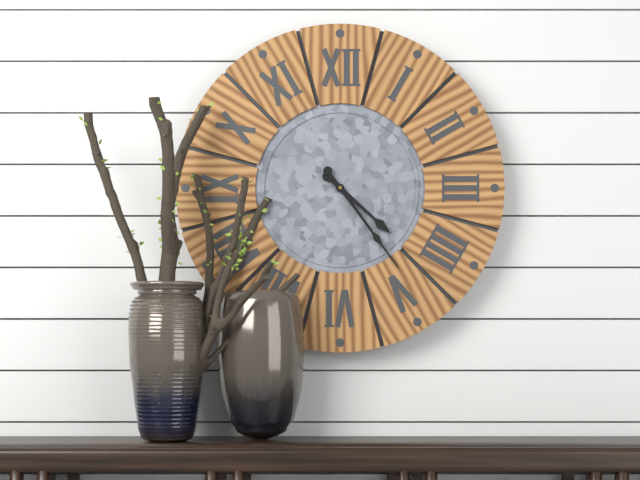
4:24
